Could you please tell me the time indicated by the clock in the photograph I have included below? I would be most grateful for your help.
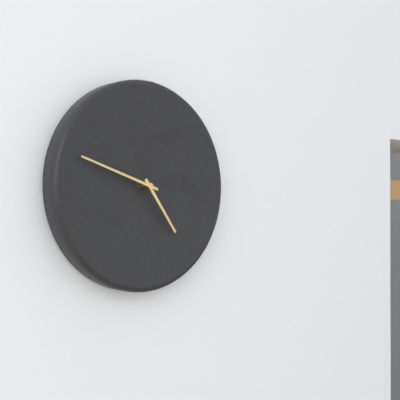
4:48
